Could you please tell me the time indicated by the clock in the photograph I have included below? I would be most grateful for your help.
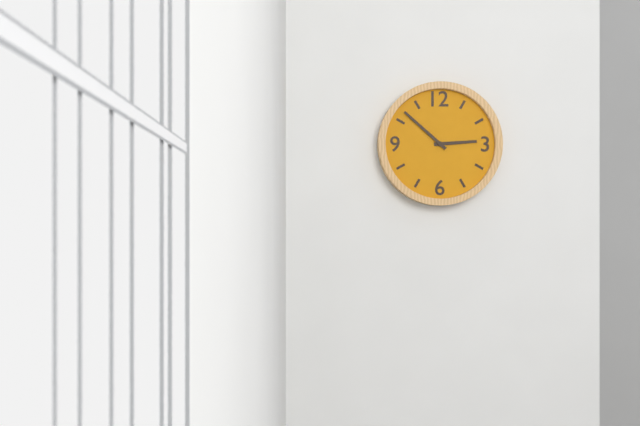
2:52
